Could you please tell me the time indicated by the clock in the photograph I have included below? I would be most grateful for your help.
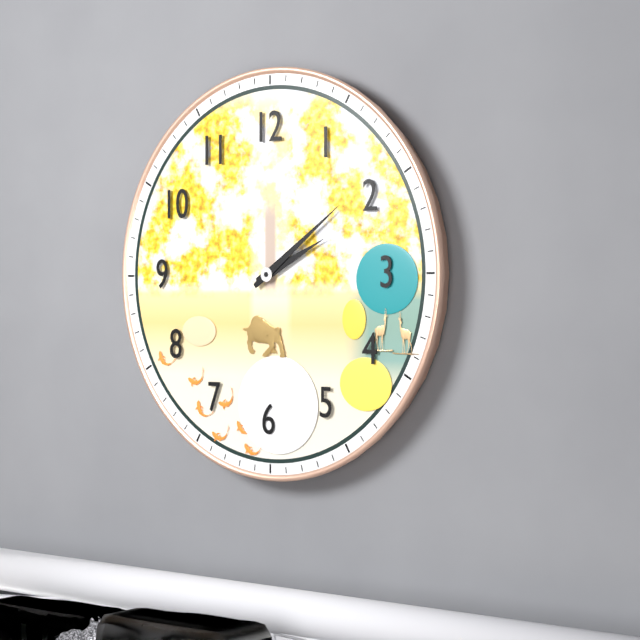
2:09
